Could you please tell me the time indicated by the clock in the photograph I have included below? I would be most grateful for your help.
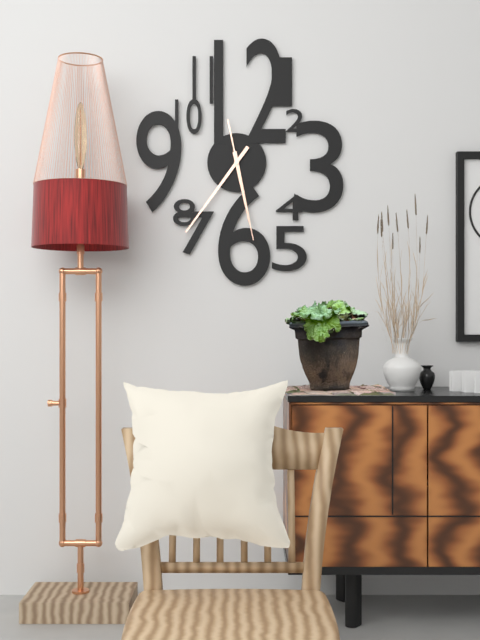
5:36:28
